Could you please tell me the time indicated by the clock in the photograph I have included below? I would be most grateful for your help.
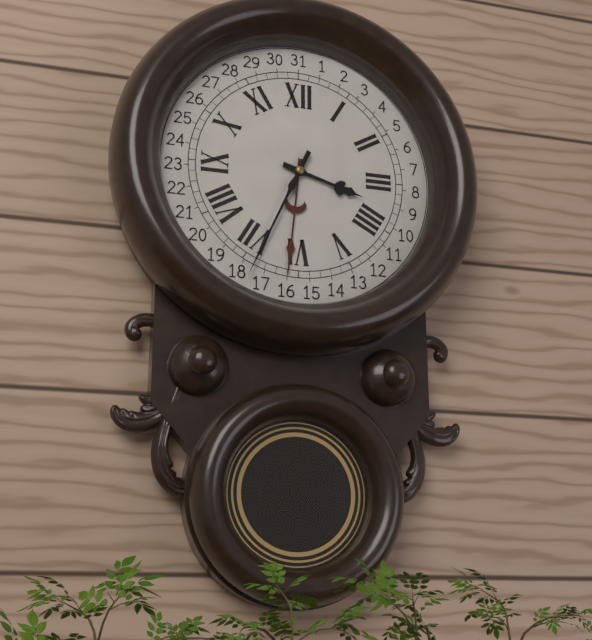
3:34
